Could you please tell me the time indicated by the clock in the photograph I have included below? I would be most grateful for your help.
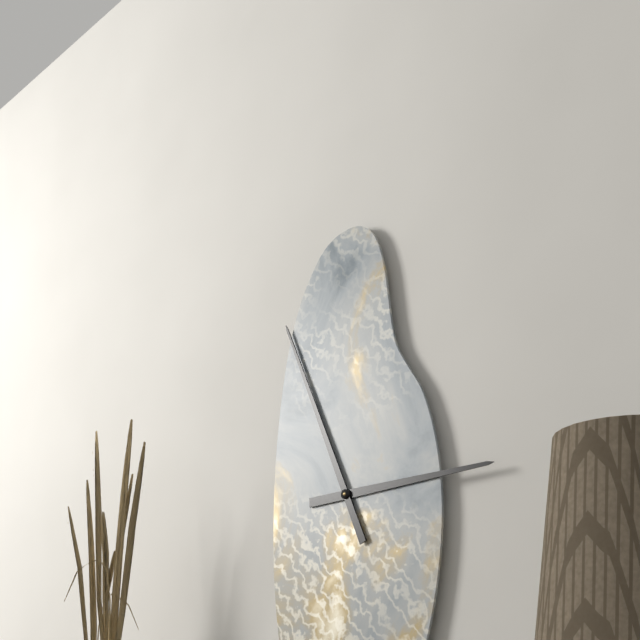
2:56
